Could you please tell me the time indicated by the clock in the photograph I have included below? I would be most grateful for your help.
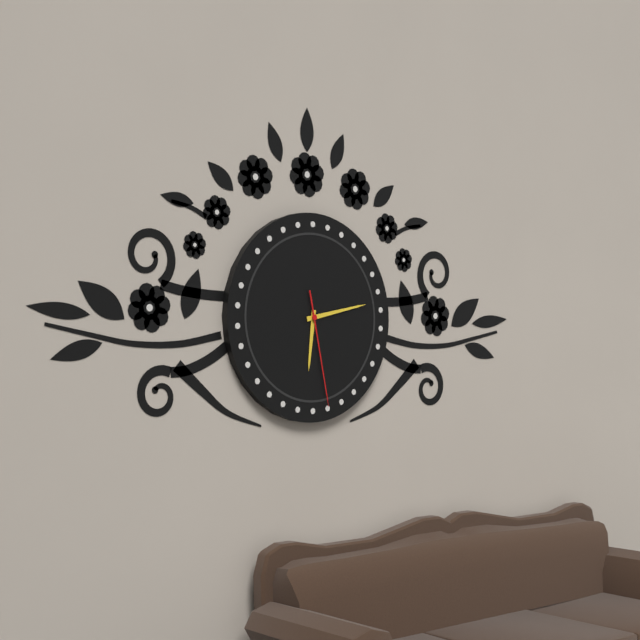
6:13:28
